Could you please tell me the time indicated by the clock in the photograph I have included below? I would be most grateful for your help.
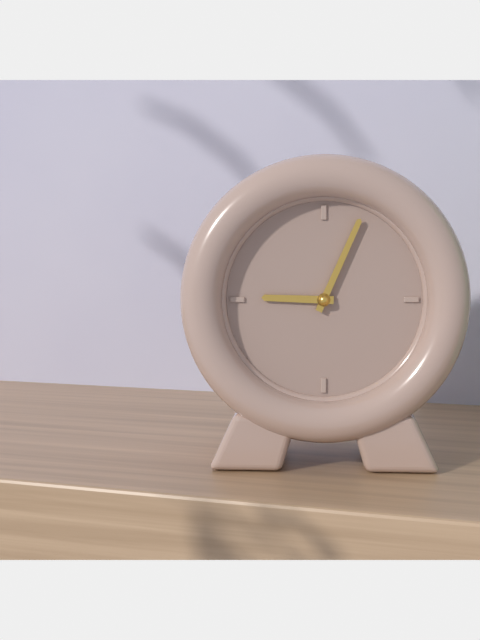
9:04
